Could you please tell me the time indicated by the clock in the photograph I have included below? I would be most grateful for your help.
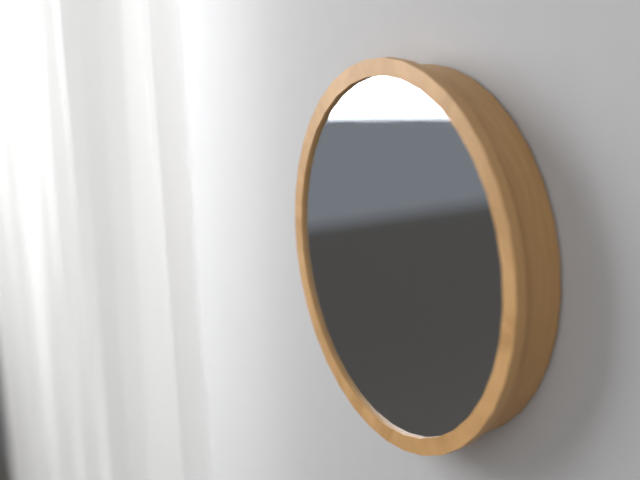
12:28
